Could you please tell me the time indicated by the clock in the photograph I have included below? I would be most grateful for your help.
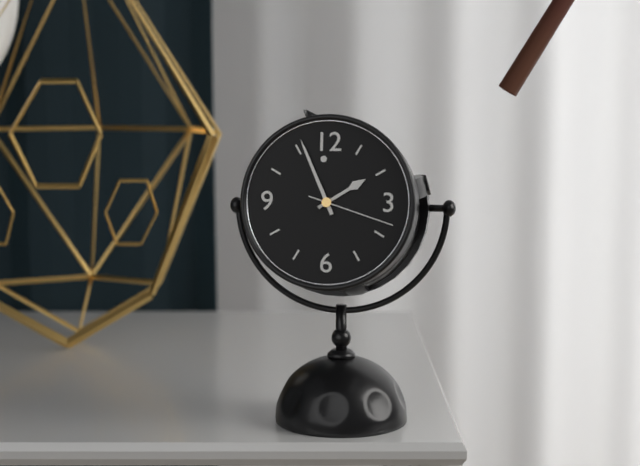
1:56:18
